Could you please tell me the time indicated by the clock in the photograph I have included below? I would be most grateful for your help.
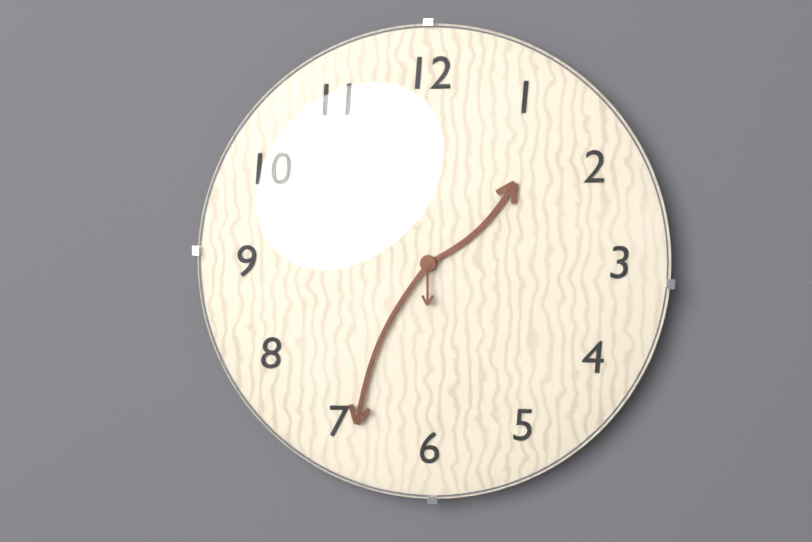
1:34:30
